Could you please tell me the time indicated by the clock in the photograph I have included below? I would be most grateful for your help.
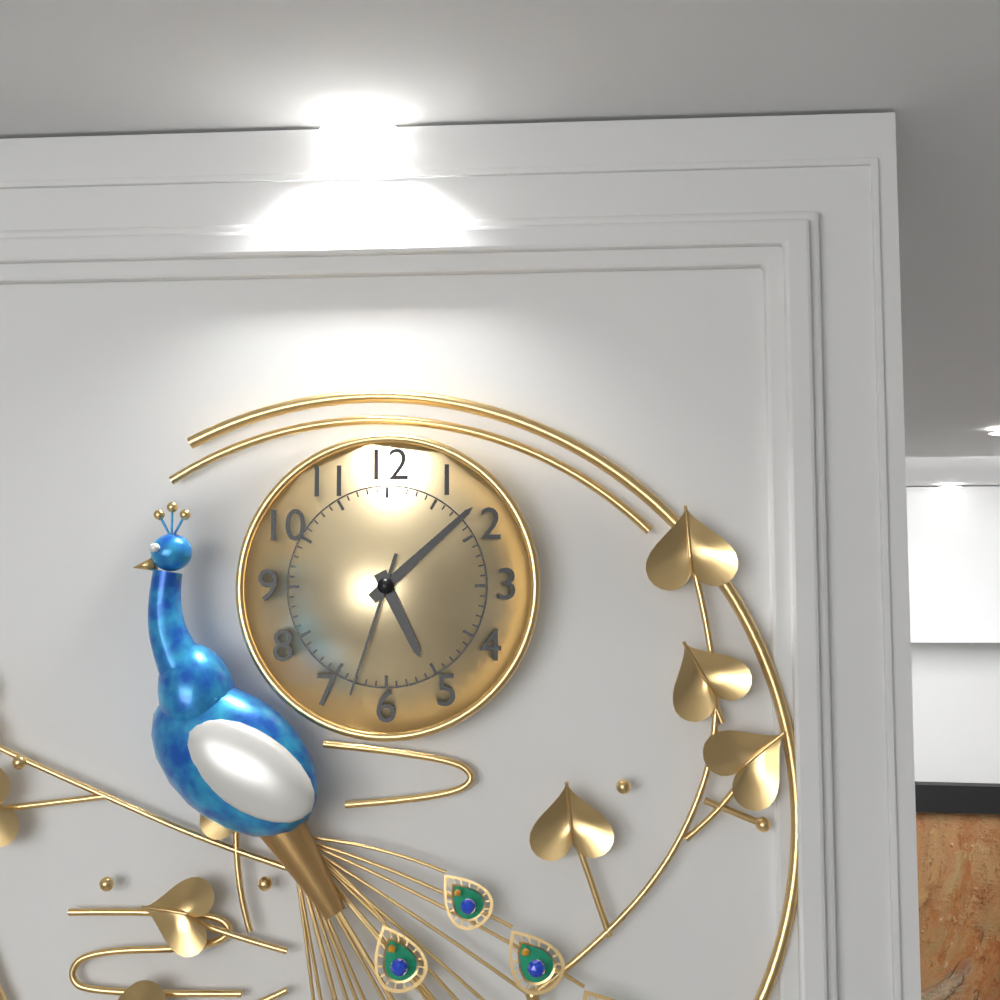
5:08:33
